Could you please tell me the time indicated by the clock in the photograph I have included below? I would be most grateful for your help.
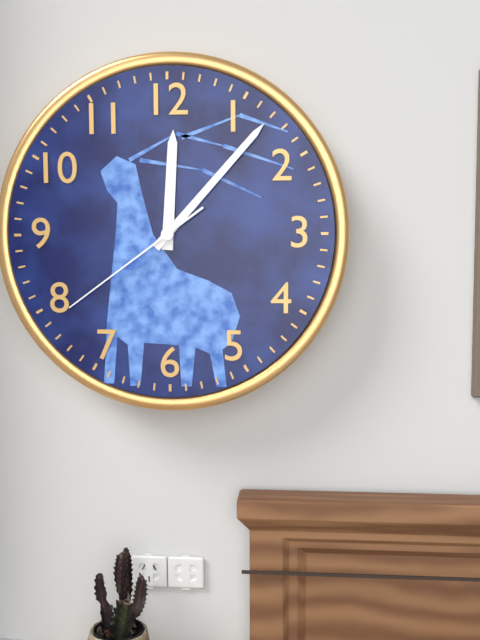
12:07:39
